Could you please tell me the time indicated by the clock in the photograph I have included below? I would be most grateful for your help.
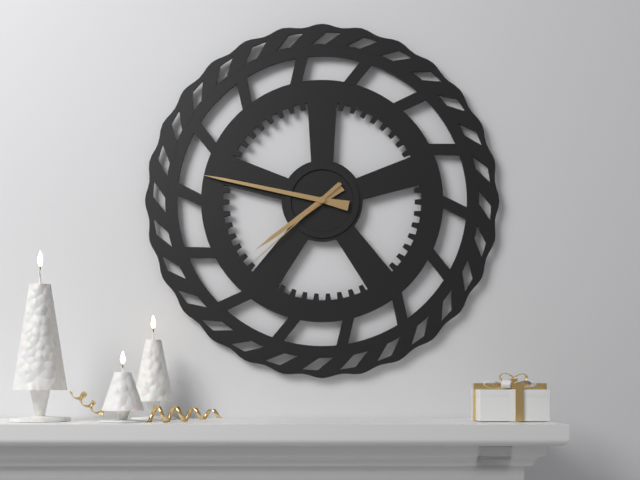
7:47:38
